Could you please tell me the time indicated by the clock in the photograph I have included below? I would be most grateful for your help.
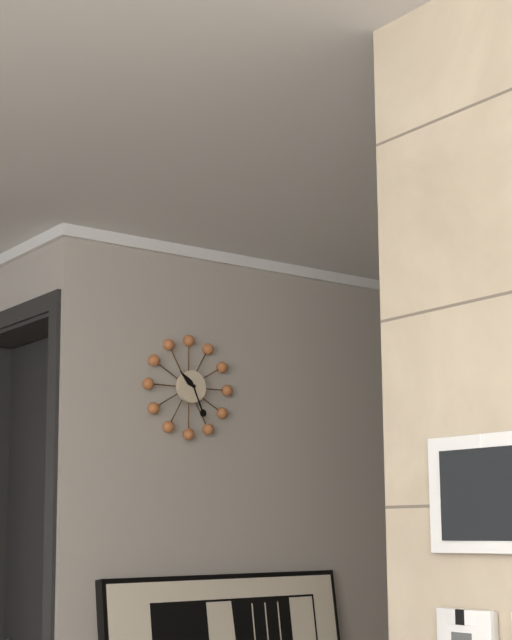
10:26
